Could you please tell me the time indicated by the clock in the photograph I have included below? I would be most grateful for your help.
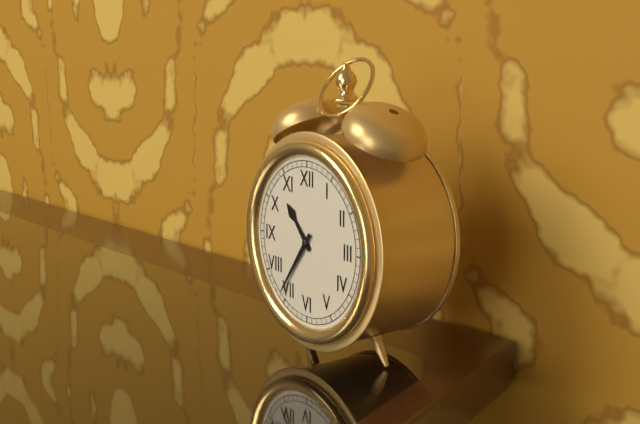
10:36
